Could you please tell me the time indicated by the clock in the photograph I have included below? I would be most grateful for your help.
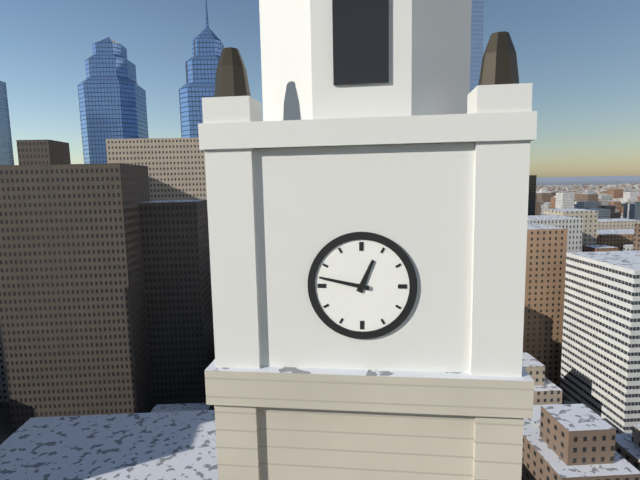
12:47
